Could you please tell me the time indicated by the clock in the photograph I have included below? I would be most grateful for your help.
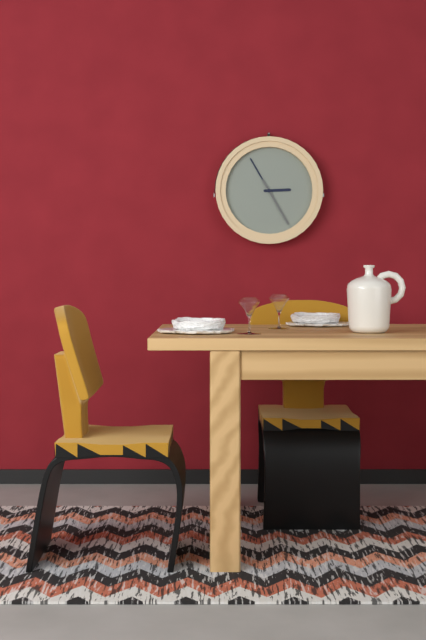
2:55
